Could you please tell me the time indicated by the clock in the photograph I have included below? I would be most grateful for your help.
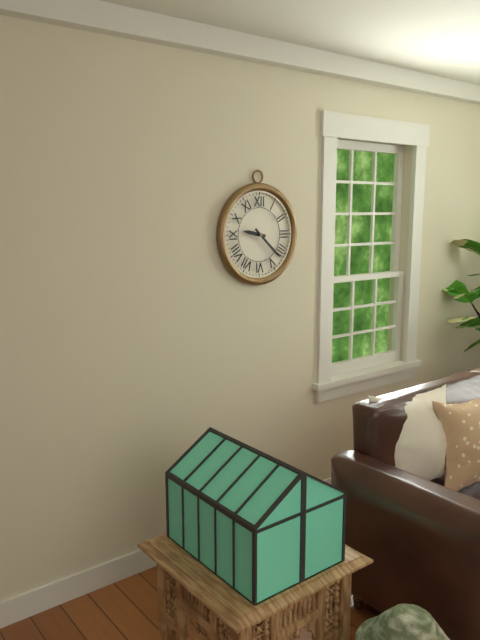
9:22
